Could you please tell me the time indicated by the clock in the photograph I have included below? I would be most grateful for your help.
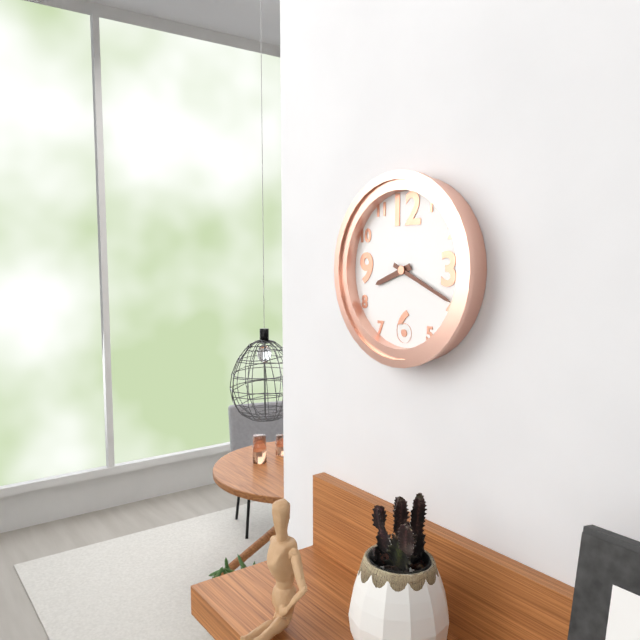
8:19
